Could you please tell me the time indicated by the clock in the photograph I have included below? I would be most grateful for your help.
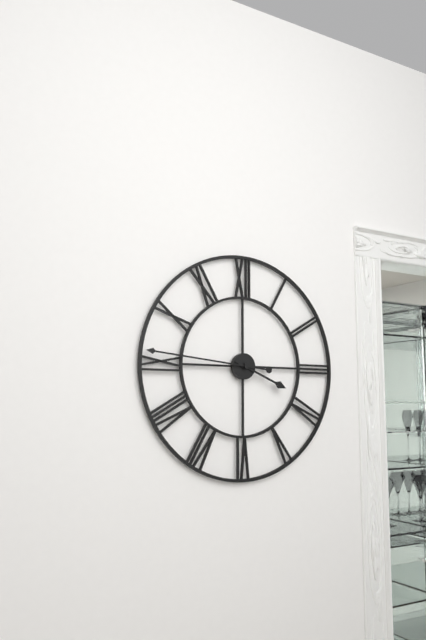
3:46
